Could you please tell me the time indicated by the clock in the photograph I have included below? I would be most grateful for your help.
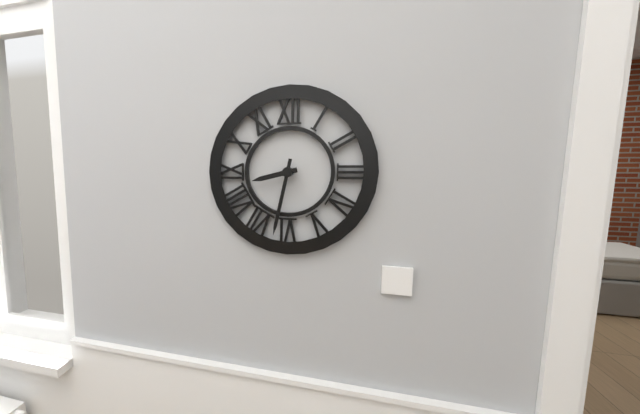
8:32
